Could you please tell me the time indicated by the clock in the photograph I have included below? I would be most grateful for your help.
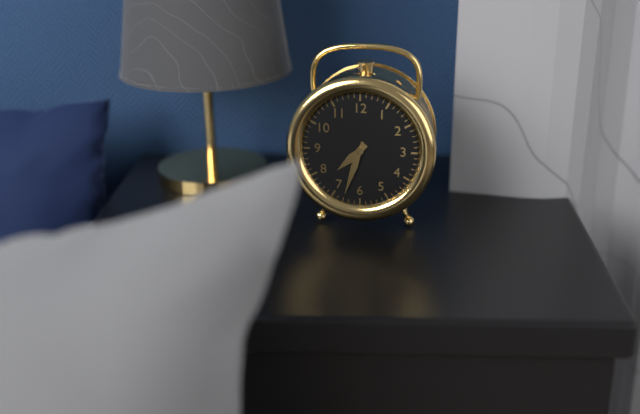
7:33
